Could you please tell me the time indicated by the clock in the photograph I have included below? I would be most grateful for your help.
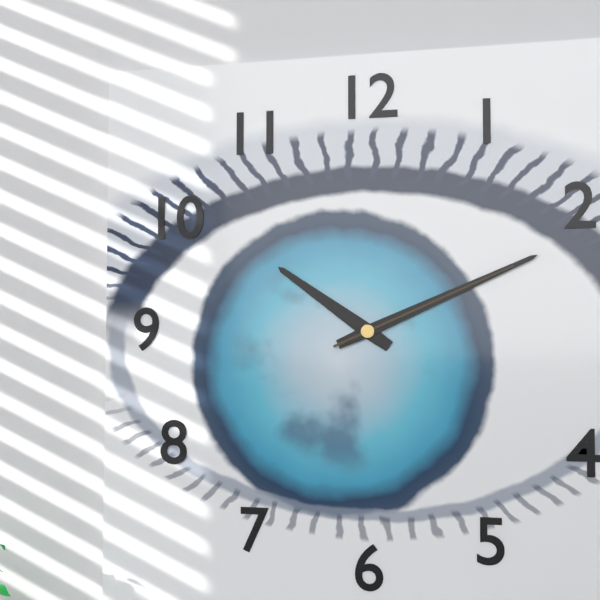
10:11:11
